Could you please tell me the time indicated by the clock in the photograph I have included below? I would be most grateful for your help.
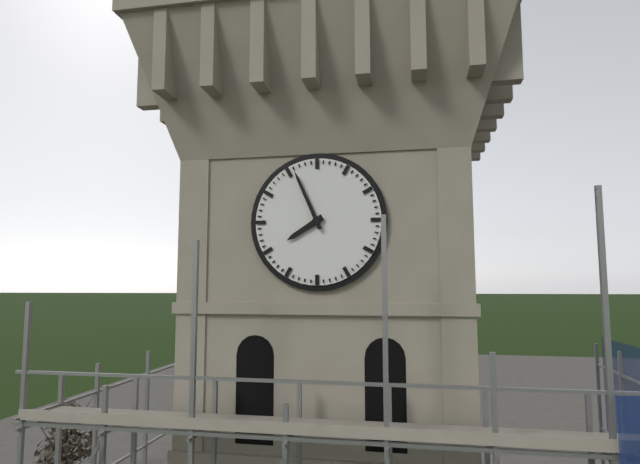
7:56
